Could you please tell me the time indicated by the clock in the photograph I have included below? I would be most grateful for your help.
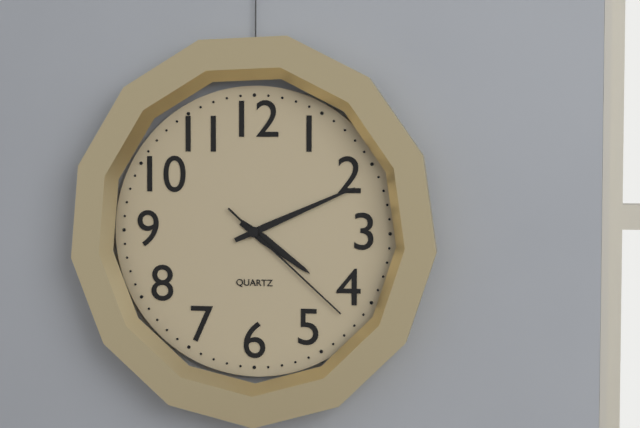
4:11:22
